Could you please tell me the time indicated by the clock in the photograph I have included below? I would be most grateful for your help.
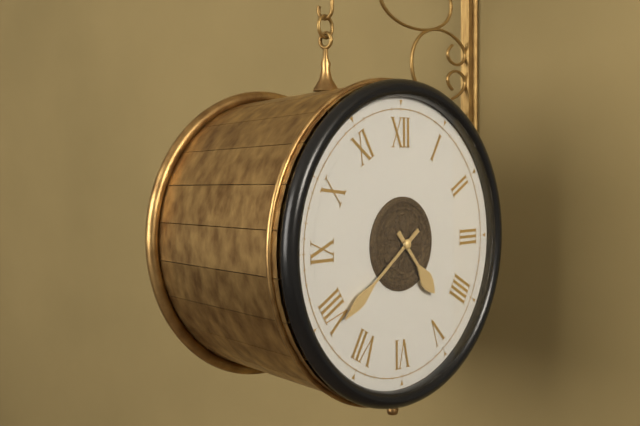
4:39
